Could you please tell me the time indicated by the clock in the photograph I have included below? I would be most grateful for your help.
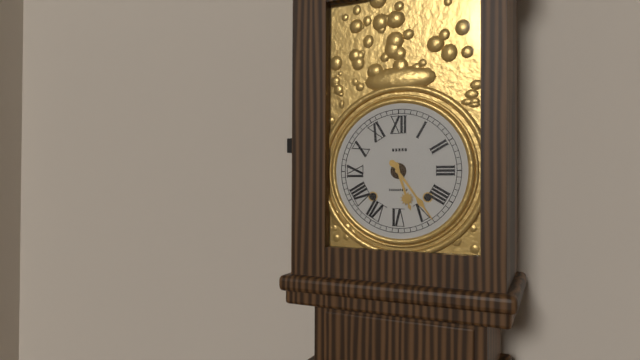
5:24
